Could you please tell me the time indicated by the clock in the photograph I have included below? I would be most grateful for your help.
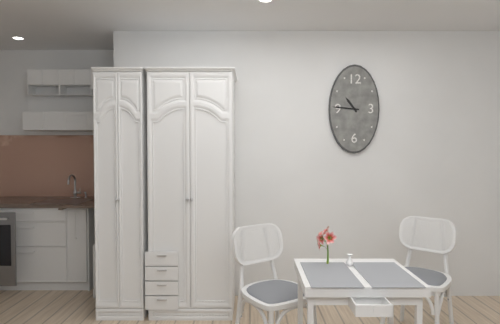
10:46
